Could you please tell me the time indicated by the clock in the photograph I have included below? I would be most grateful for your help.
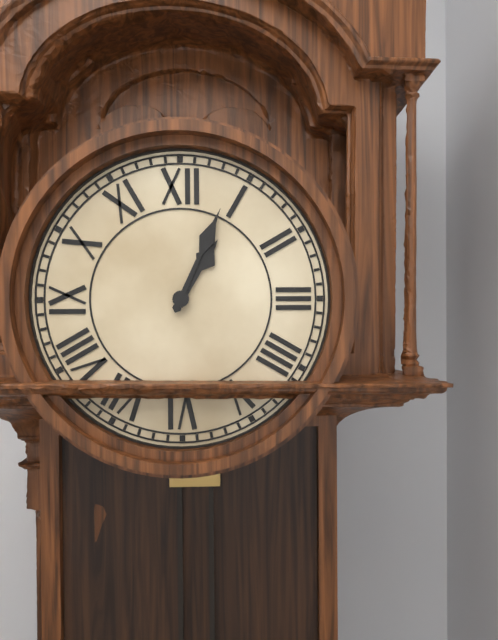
1:04
